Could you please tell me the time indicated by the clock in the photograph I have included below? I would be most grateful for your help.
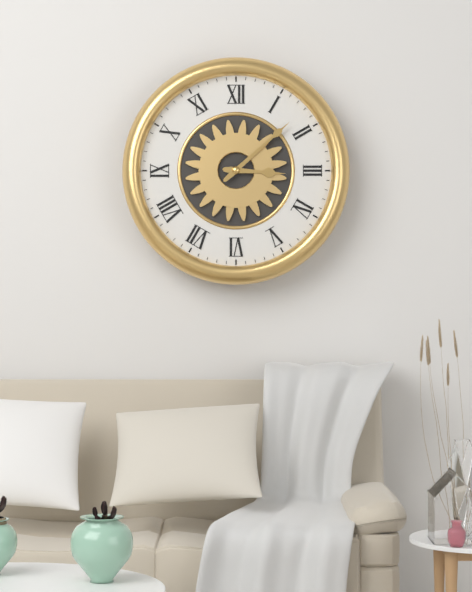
3:08
